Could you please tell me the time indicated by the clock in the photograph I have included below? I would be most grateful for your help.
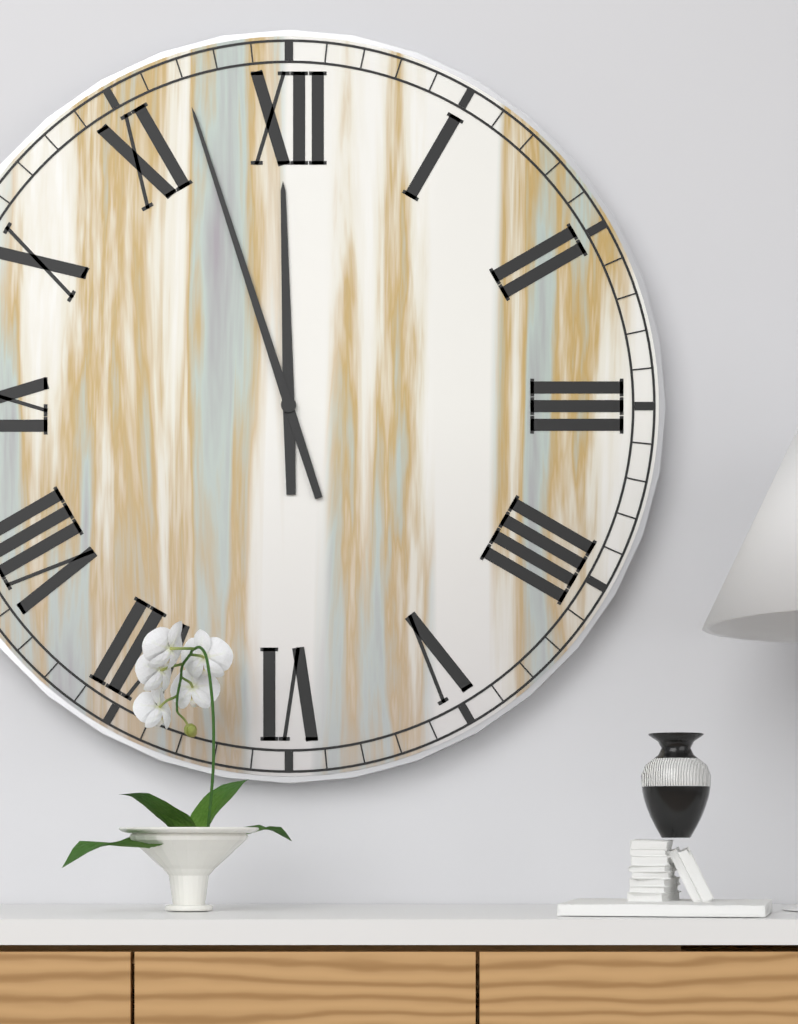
11:57
